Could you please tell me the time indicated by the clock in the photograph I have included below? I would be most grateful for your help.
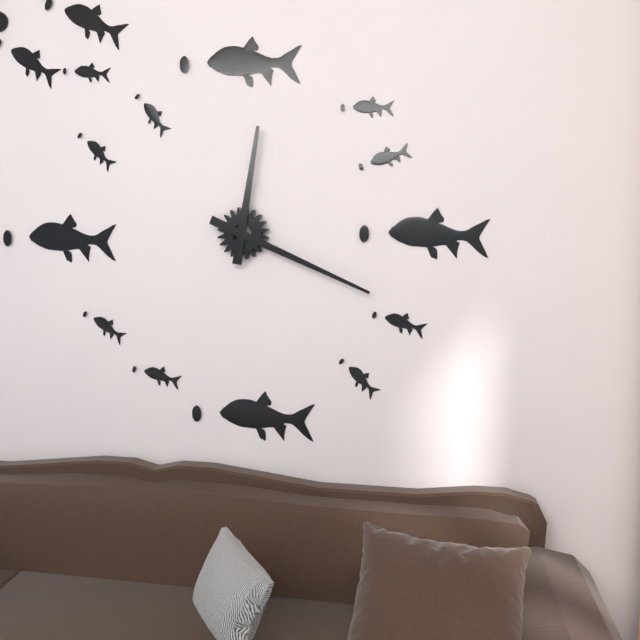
12:19
